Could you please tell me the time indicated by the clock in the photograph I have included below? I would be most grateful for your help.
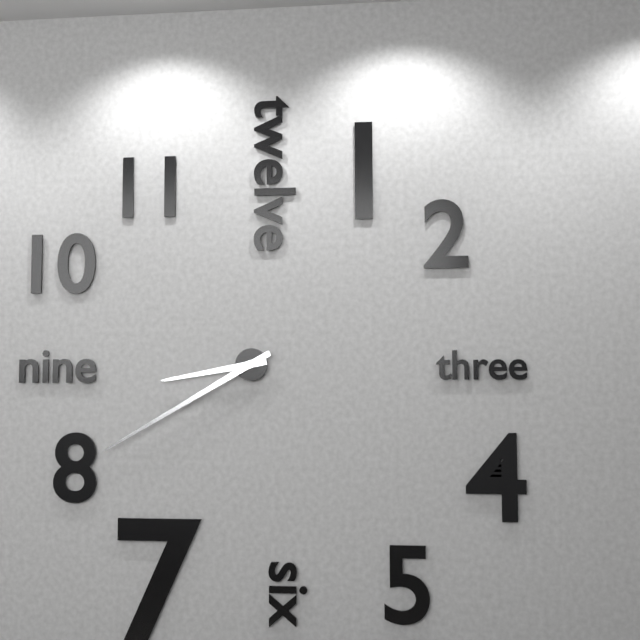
8:40
